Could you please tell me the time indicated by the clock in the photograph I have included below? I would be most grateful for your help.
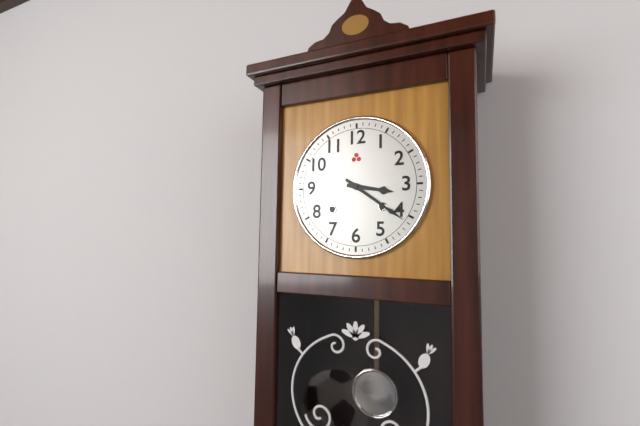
3:21
